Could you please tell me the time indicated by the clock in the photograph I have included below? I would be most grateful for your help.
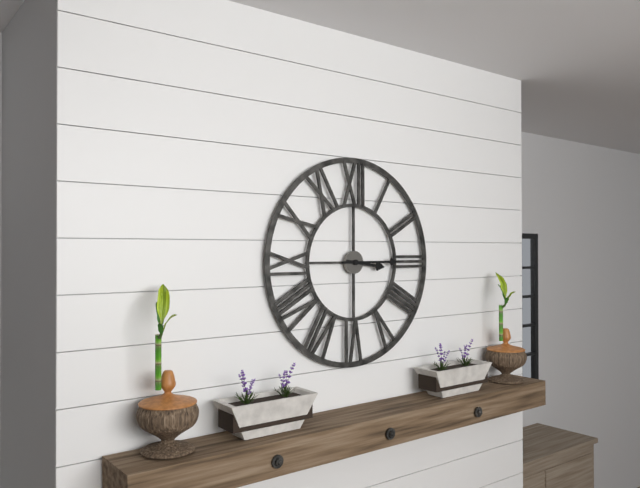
3:15
